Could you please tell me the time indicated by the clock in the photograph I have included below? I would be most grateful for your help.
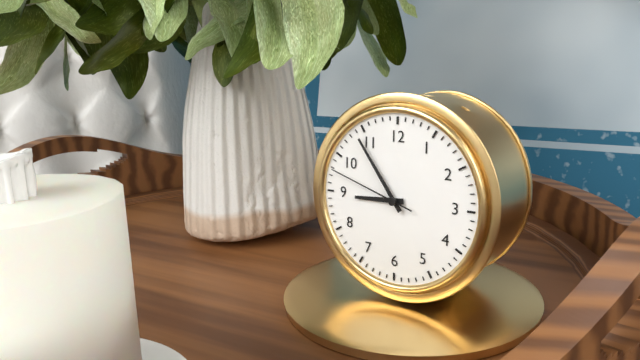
8:54:48
